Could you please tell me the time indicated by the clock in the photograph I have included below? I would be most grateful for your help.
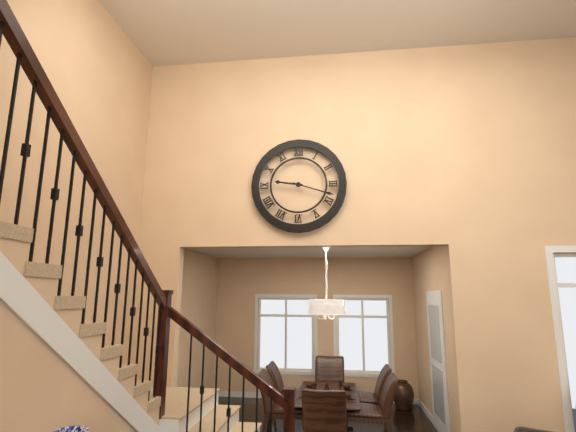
9:18
